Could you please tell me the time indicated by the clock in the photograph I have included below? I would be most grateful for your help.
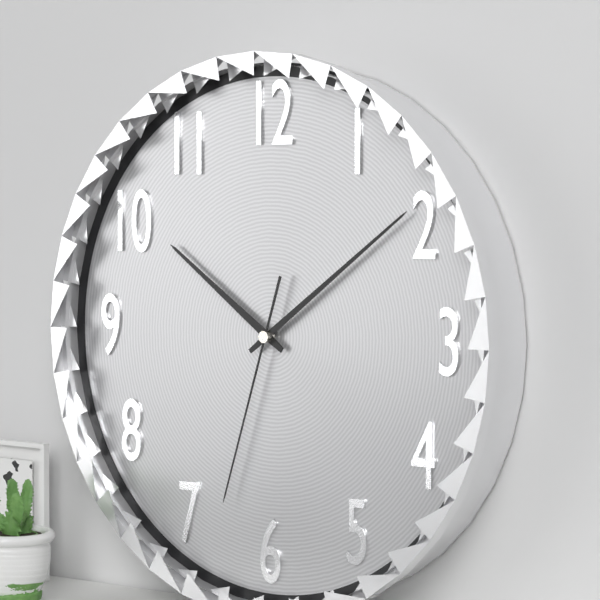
10:09:33
